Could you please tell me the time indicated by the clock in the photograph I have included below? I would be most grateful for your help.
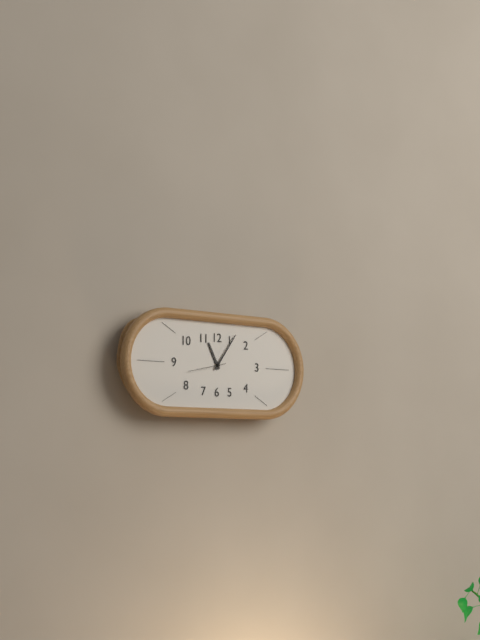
11:06
